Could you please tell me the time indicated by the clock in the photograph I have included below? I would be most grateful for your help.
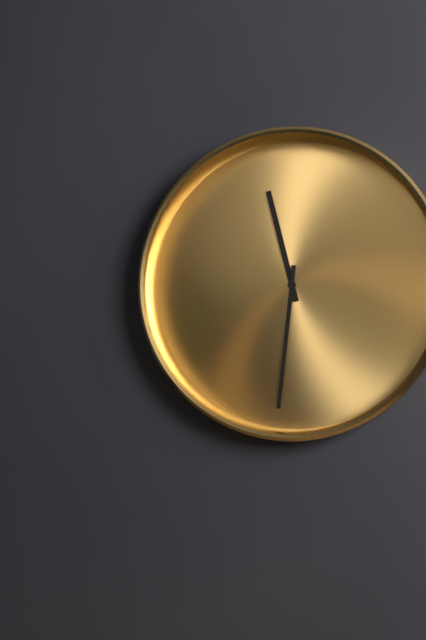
11:31
